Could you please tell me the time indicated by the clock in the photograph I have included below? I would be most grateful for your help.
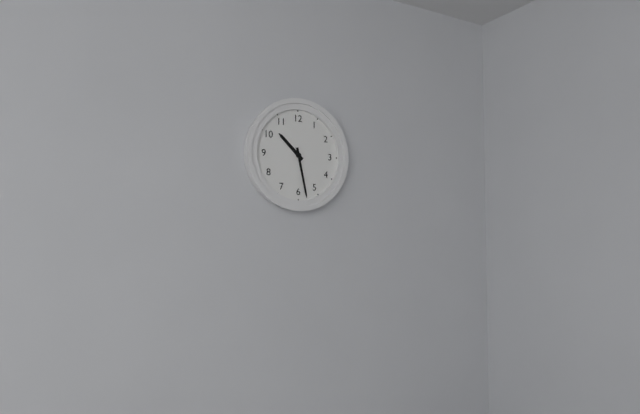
10:28
